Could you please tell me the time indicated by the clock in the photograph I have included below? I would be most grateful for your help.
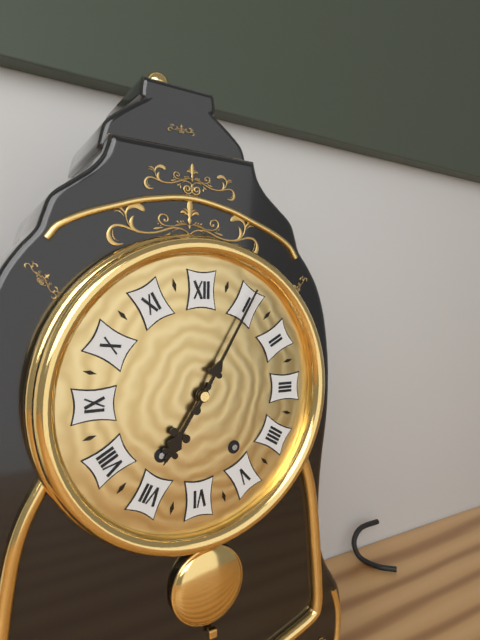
7:05
